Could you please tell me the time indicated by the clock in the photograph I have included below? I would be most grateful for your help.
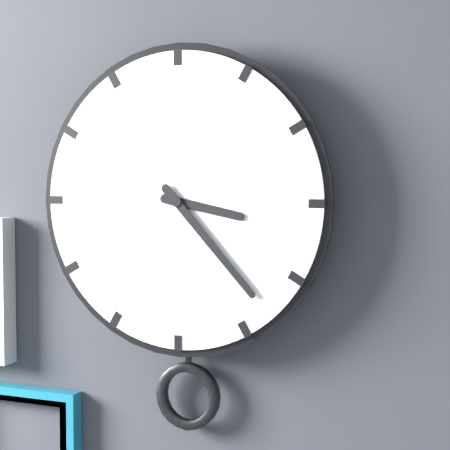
3:23
